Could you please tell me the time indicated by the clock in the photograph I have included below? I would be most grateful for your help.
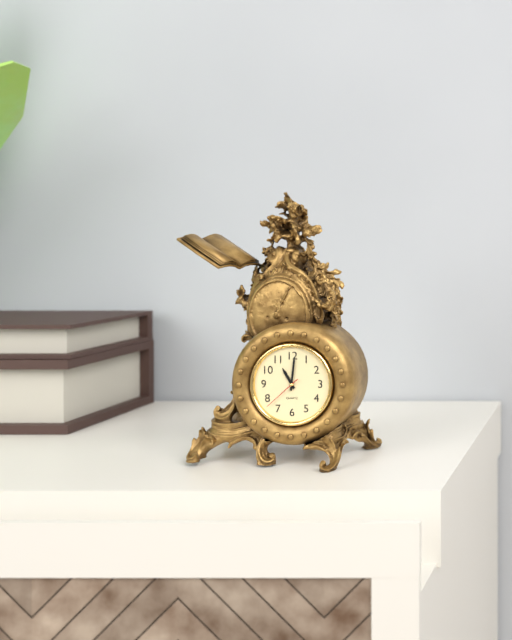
11:01
